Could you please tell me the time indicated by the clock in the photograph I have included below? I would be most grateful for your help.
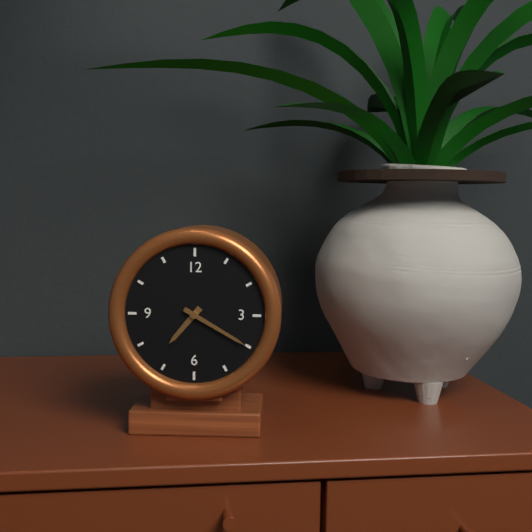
7:20
